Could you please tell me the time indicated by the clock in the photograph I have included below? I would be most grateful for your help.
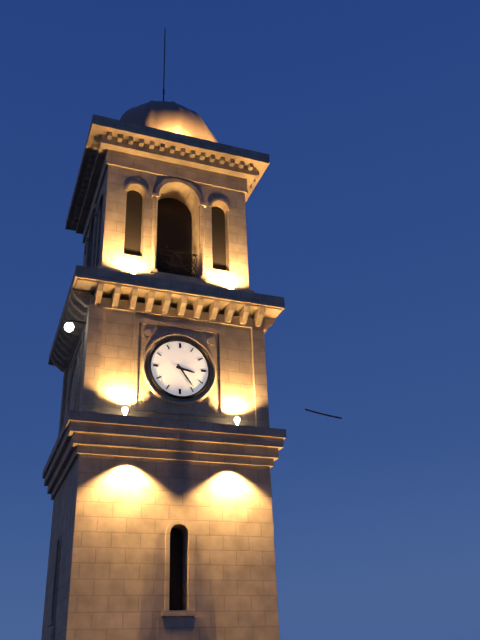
3:24
